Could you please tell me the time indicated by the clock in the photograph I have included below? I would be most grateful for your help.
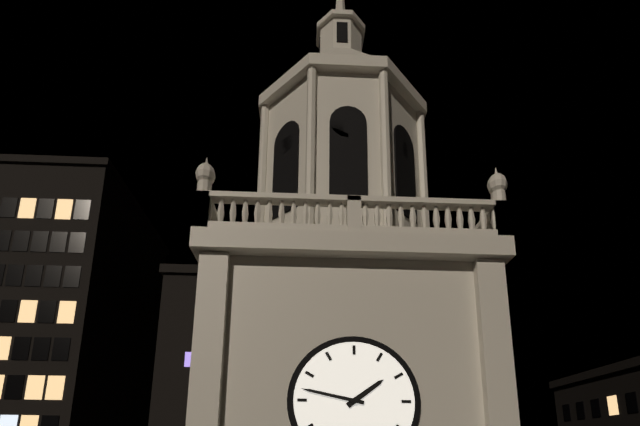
1:47
